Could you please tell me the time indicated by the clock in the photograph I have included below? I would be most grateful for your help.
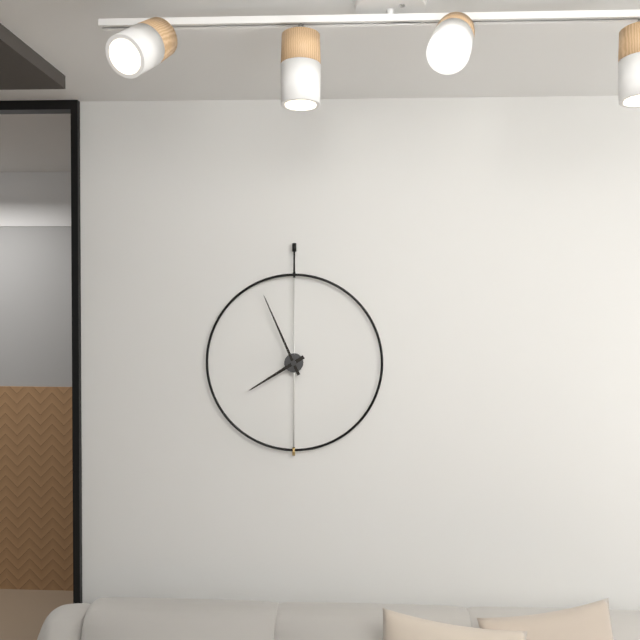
7:56
